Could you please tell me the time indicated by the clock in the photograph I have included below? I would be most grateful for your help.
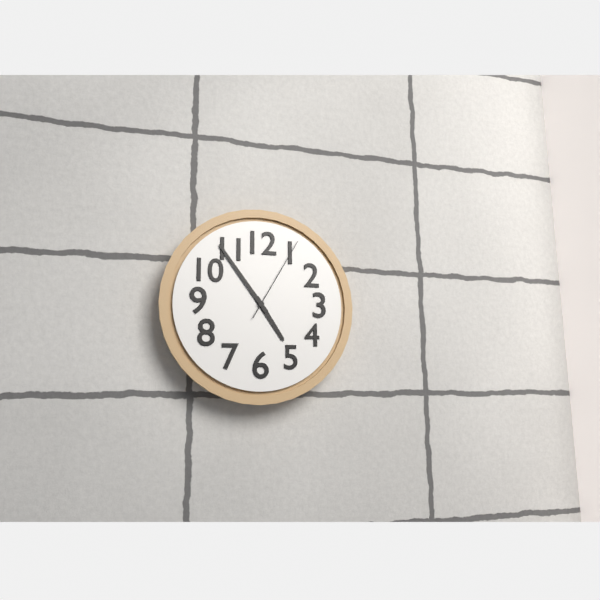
4:54:05
